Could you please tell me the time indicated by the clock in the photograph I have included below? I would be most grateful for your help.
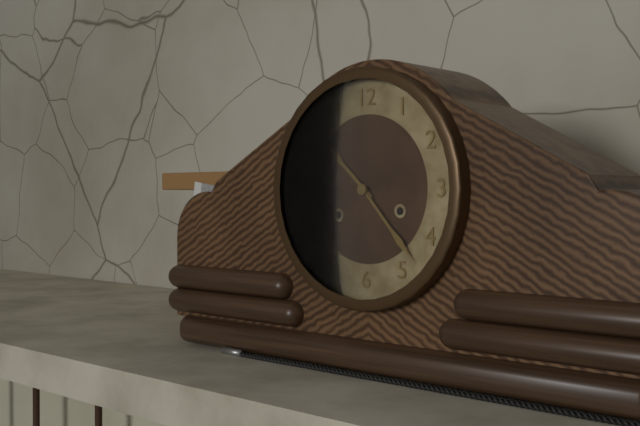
10:23
